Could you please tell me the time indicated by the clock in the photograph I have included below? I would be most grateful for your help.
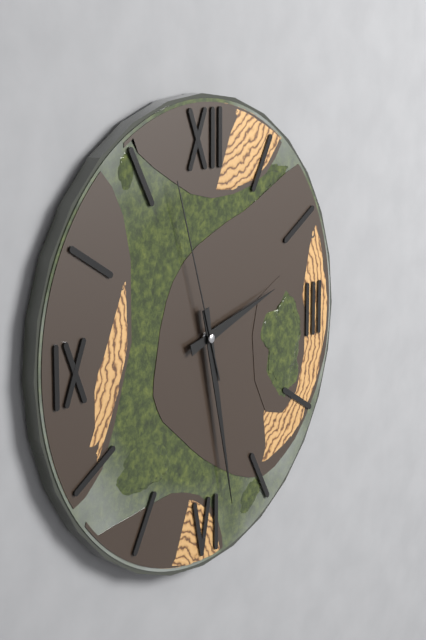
2:28:57
